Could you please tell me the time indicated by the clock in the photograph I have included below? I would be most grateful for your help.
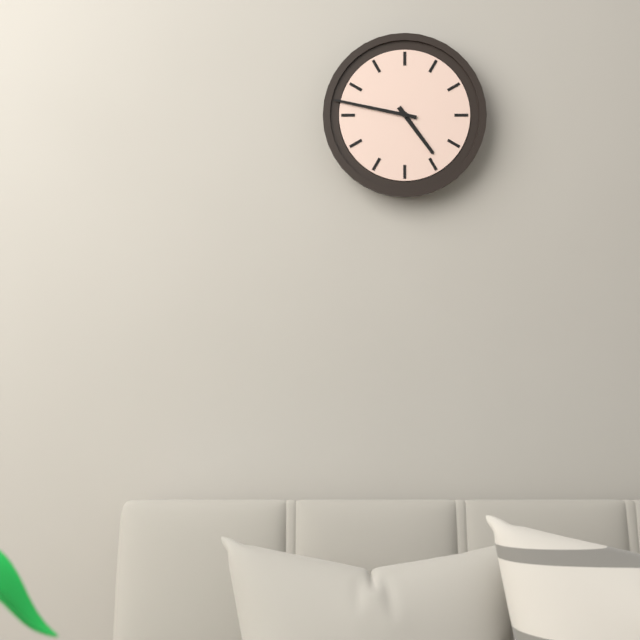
4:47
